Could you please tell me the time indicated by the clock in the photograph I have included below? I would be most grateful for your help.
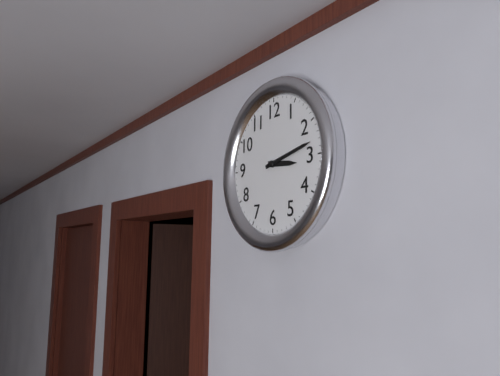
3:13
